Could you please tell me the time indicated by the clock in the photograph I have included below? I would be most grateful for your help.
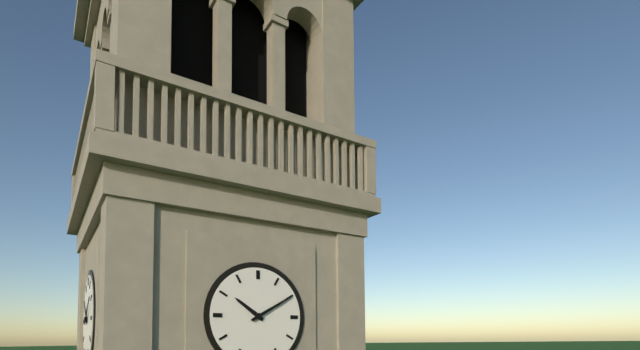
10:10
